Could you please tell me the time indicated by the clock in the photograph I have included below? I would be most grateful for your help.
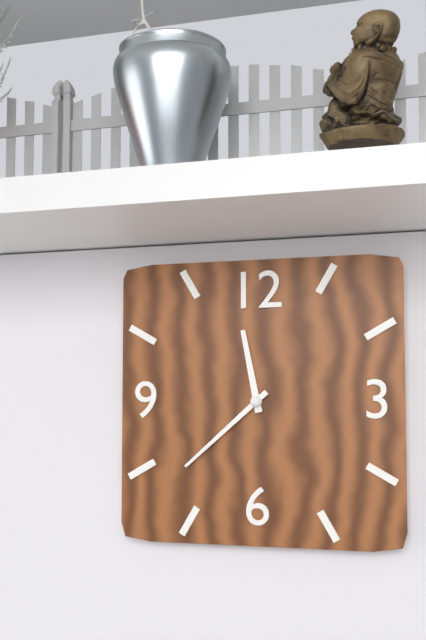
11:38
